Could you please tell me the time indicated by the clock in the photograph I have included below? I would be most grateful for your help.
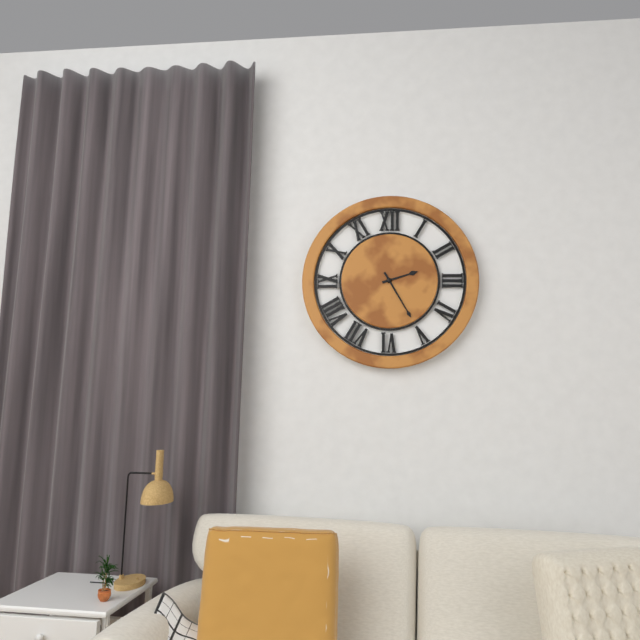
2:25
